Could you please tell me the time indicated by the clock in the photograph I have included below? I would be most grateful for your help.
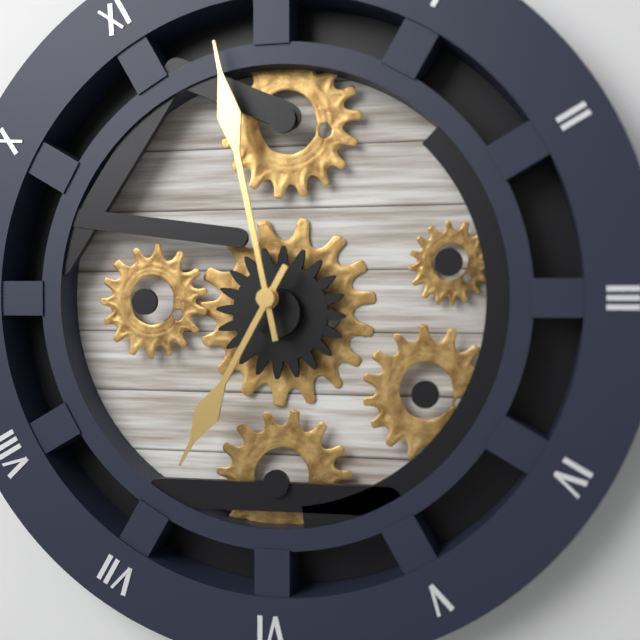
6:58
